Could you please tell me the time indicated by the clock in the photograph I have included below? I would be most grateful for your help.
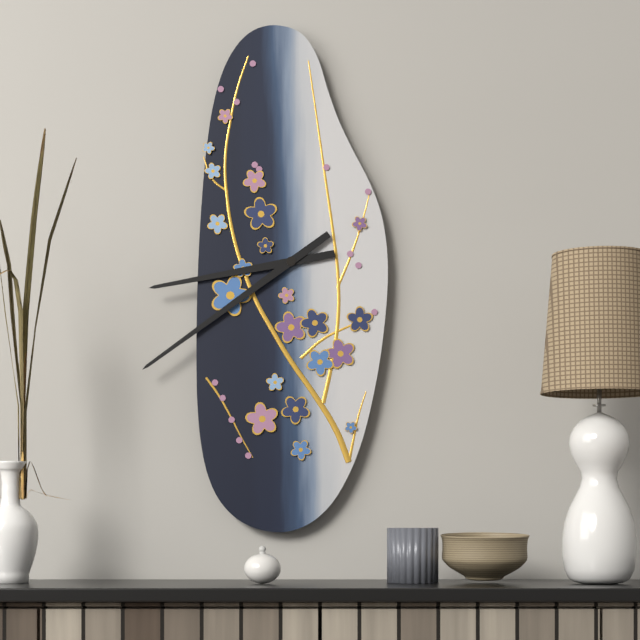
8:39
